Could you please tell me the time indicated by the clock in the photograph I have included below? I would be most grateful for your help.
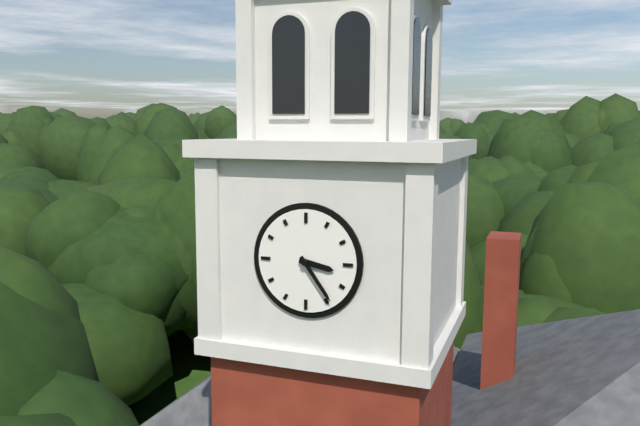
3:24
